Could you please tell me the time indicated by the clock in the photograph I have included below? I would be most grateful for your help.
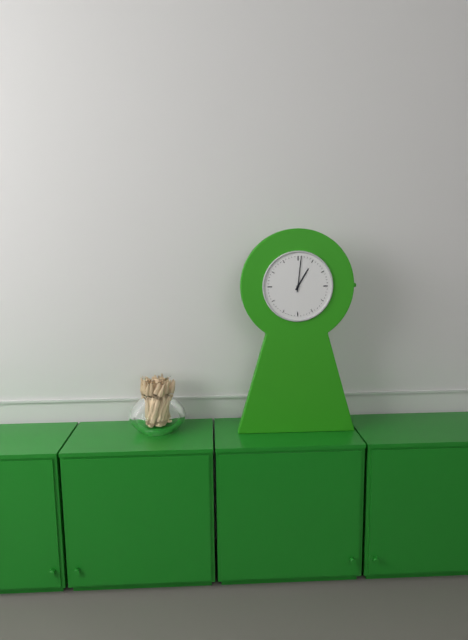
1:01
